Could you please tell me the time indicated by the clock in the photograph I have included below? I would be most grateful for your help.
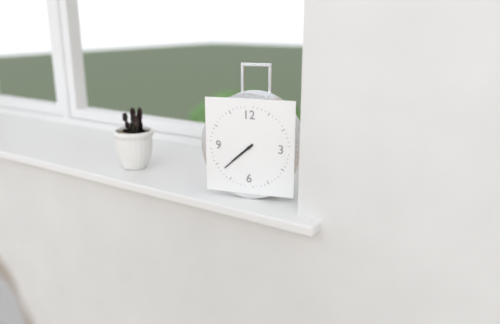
7:38
